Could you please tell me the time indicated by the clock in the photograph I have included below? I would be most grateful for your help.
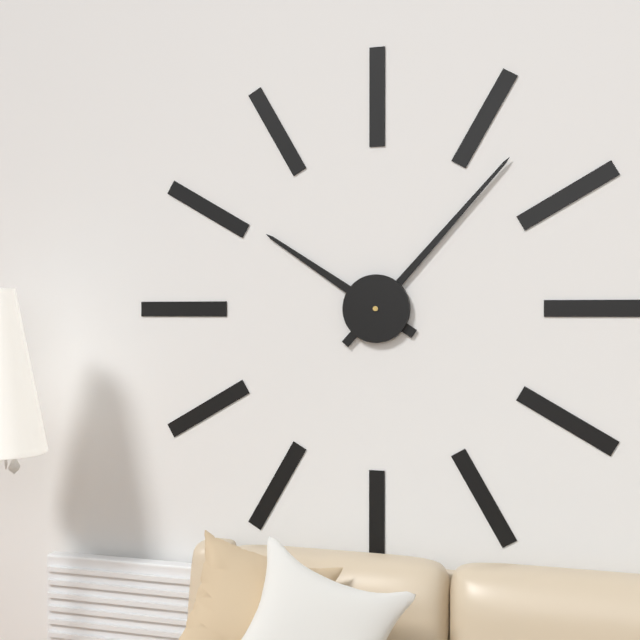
10:07
